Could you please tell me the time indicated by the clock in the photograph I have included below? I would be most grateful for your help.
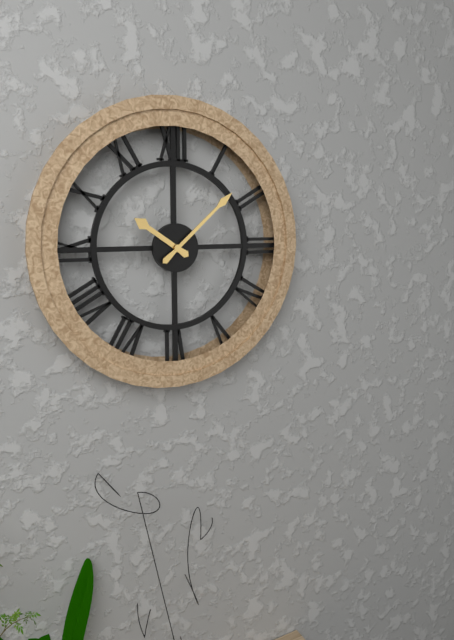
10:08
